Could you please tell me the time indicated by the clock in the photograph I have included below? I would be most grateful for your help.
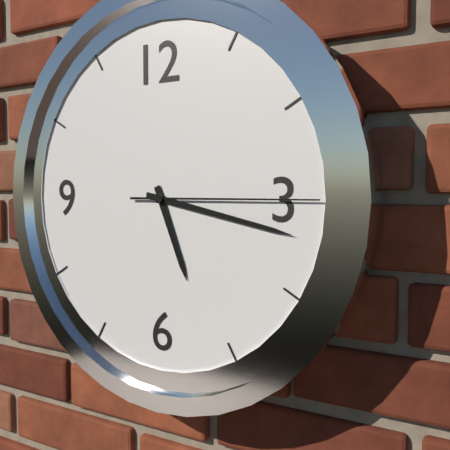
5:17:15
